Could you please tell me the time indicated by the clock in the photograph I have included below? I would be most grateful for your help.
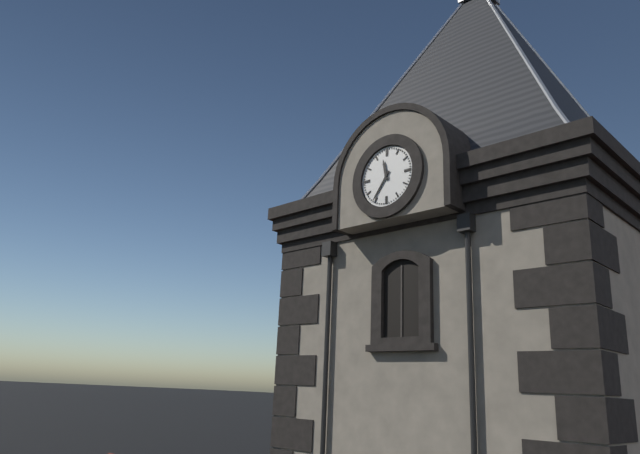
11:36
